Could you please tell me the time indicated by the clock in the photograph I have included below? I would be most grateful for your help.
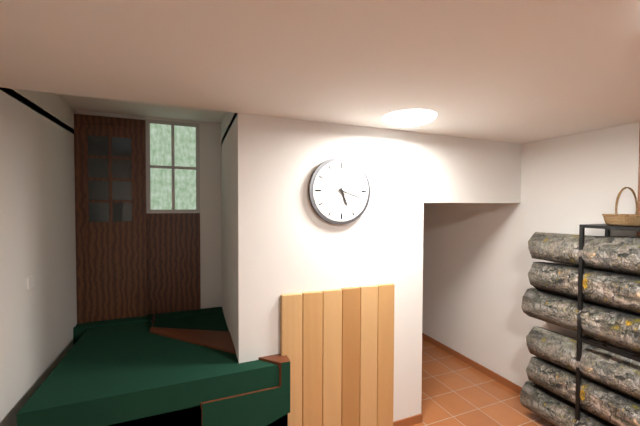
5:18
